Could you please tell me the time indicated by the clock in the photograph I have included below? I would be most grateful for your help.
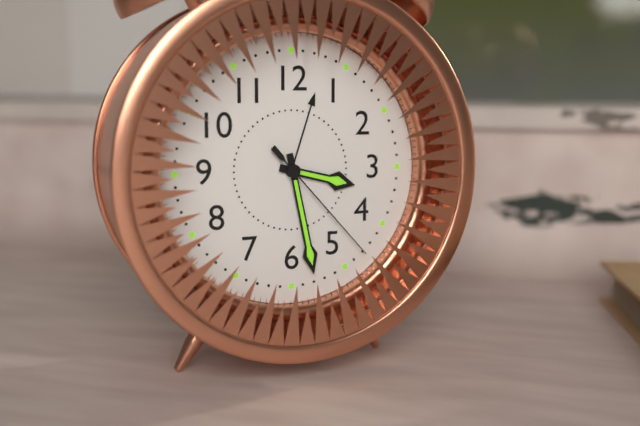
3:28:23
